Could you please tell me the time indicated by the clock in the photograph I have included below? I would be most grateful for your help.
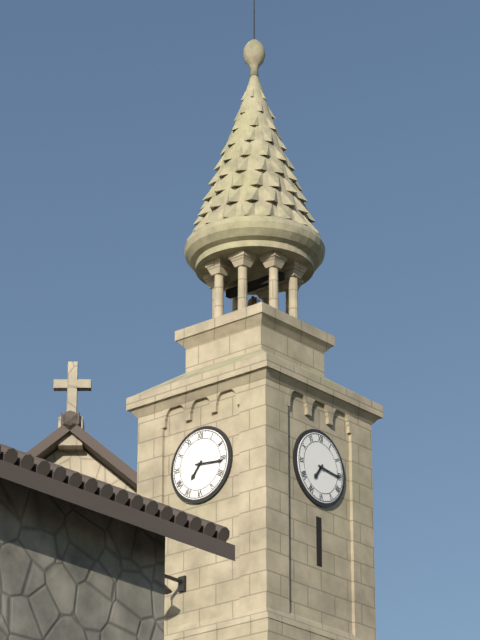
7:16
